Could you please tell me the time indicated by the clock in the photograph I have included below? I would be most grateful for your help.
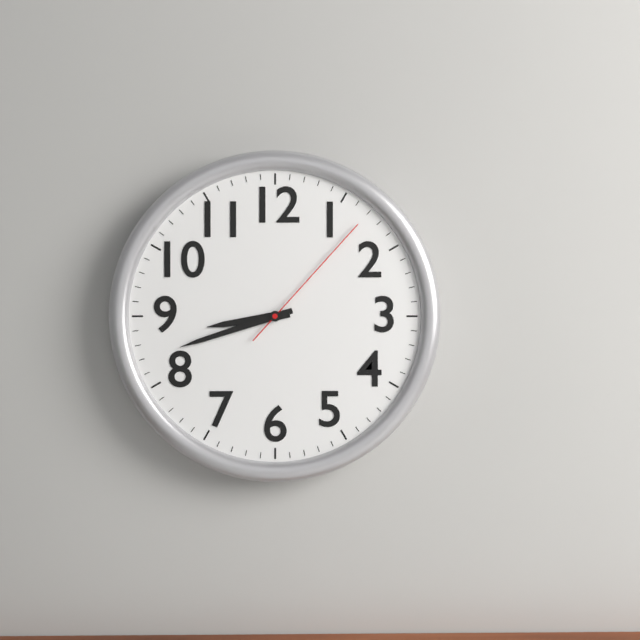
8:42:07
